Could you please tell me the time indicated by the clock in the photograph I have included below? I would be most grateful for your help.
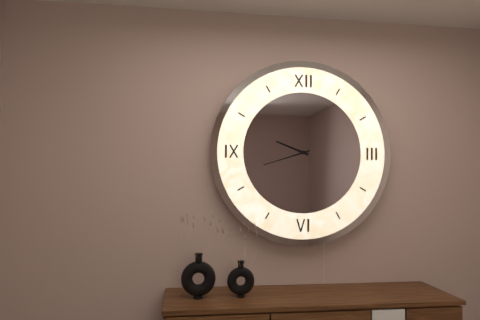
9:42
